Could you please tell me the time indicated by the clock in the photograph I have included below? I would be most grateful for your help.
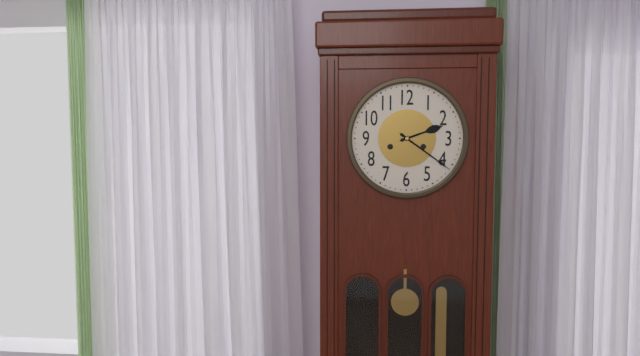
2:21
